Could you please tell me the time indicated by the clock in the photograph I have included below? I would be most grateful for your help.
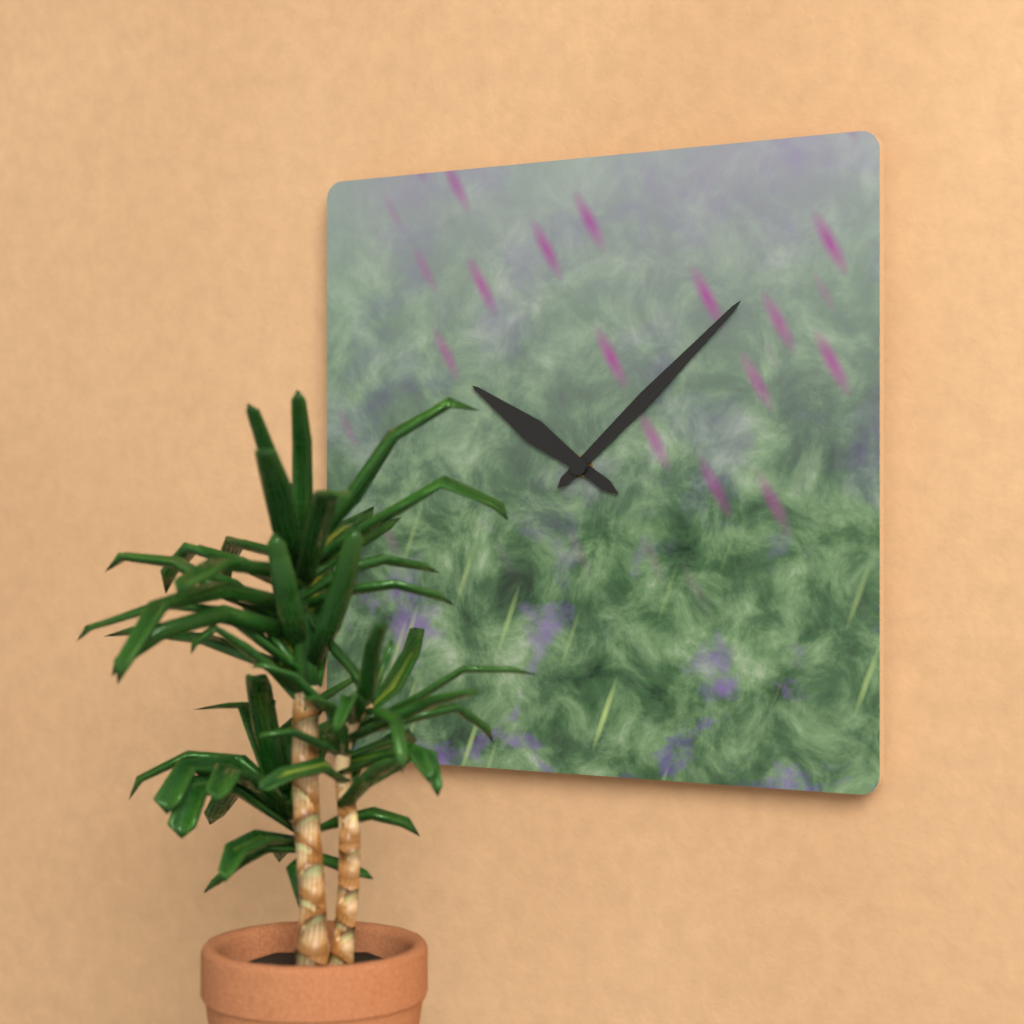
10:08
